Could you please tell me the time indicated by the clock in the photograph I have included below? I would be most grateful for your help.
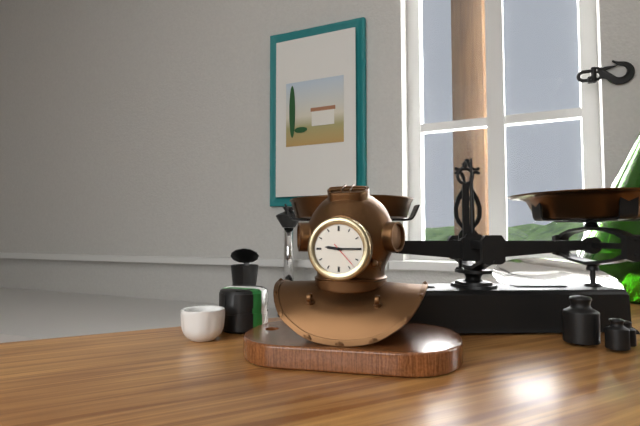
9:15
